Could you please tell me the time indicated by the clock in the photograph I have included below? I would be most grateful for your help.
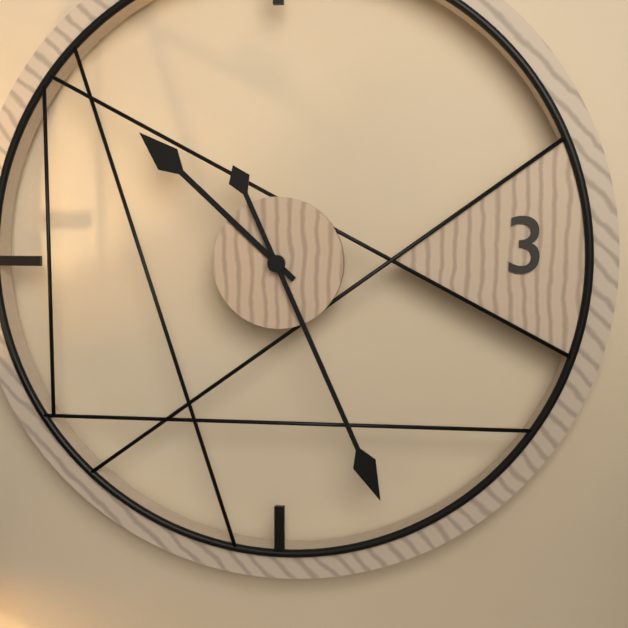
10:26
